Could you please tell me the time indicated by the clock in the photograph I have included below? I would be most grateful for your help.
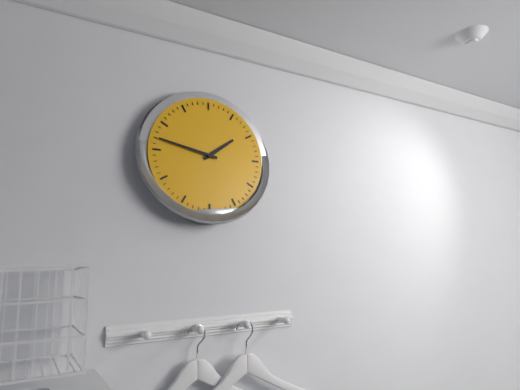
1:47
